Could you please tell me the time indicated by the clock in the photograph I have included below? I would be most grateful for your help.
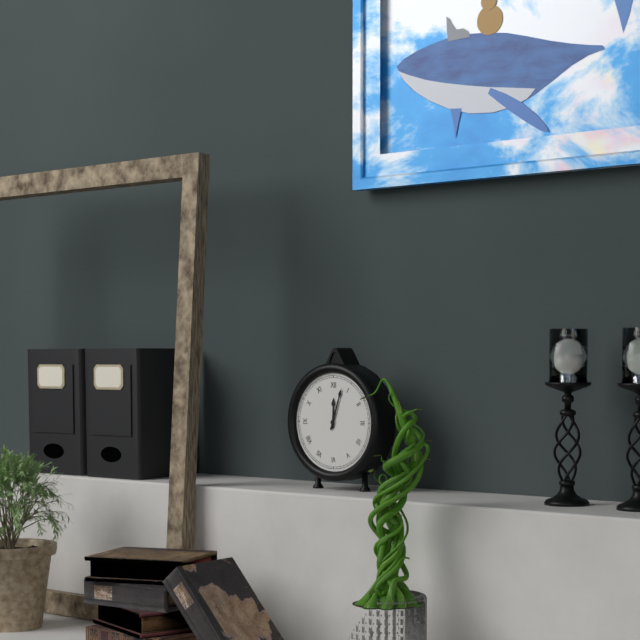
12:03
